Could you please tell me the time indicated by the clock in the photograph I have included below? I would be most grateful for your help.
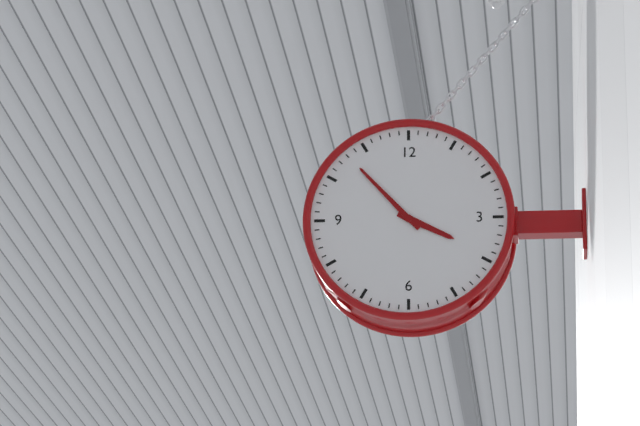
3:53
